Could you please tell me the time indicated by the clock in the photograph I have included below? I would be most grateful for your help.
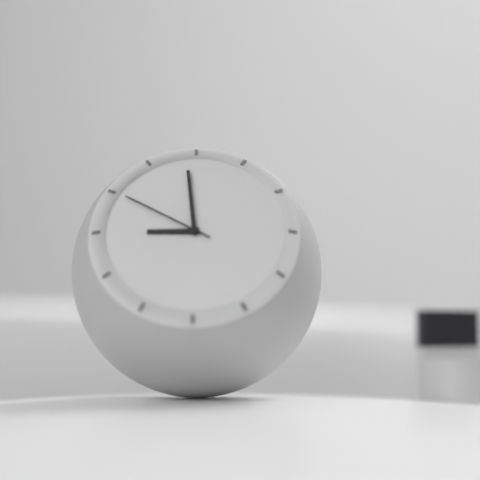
8:59:50
